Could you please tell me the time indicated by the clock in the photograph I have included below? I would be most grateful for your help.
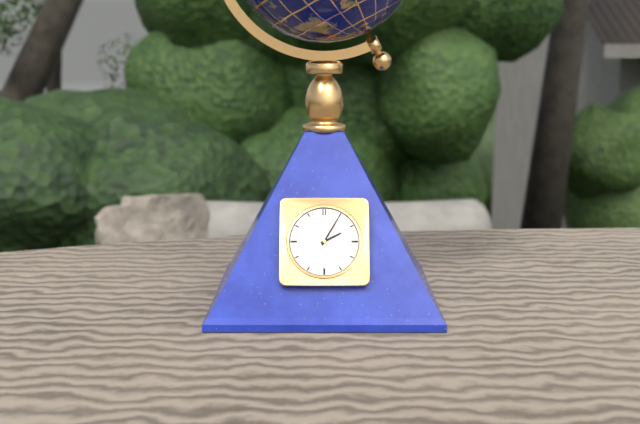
2:05
